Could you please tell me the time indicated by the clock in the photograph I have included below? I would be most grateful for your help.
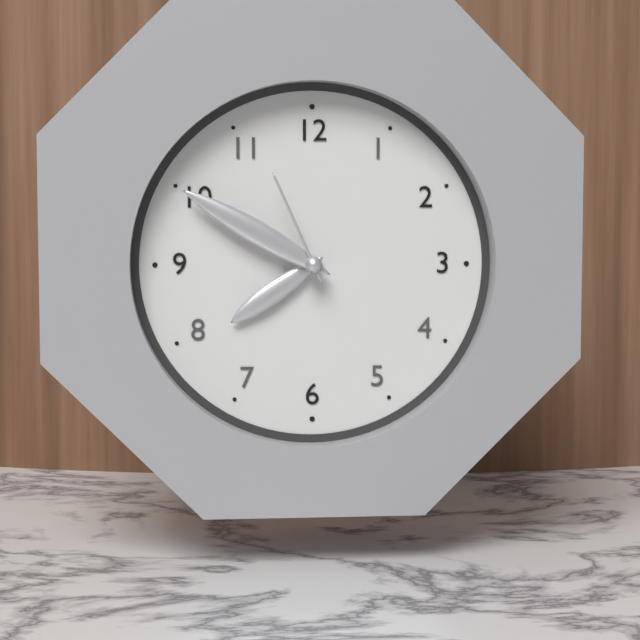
7:50:56
